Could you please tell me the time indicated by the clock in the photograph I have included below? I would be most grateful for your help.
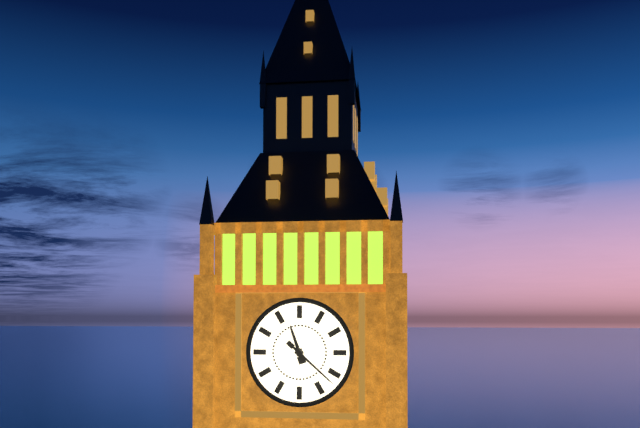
11:22
